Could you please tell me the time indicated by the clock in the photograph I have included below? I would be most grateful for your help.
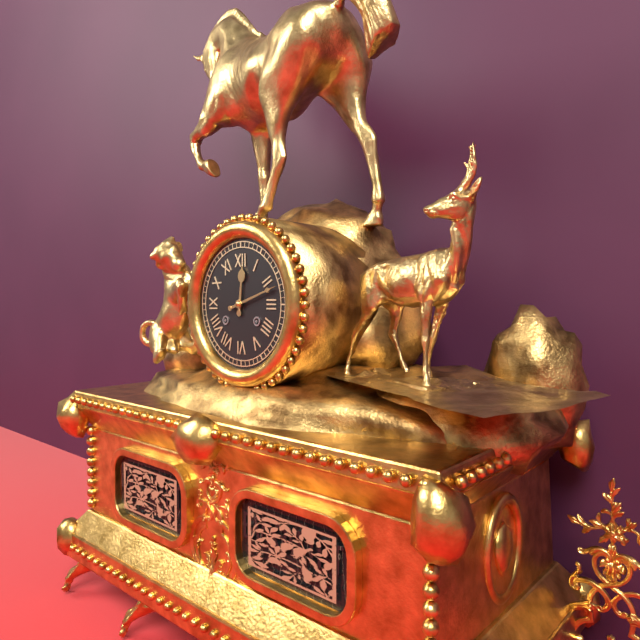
12:12
